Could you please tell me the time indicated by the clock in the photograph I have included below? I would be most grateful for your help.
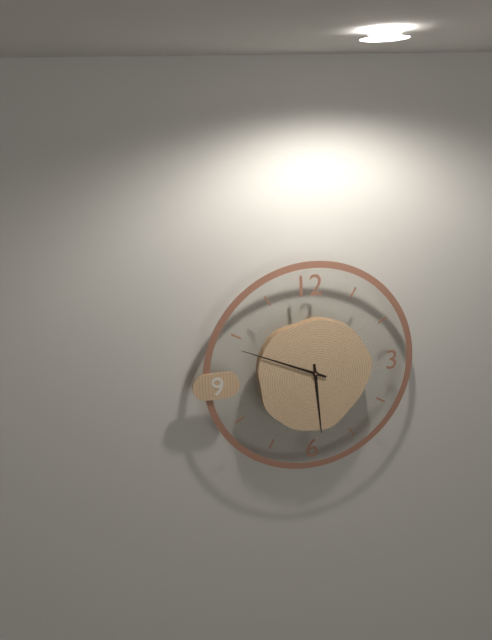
5:49
